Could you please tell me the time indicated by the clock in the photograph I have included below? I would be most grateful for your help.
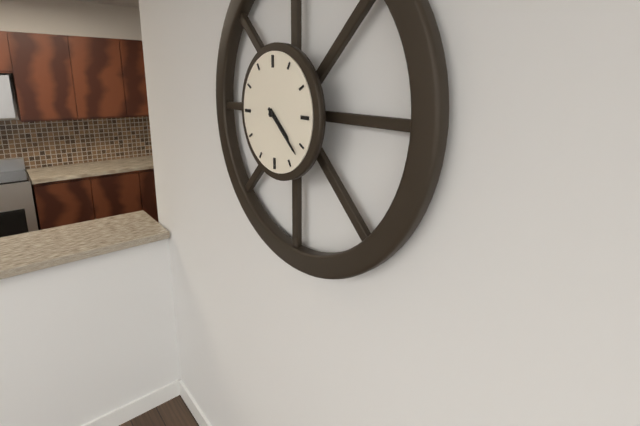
4:22
